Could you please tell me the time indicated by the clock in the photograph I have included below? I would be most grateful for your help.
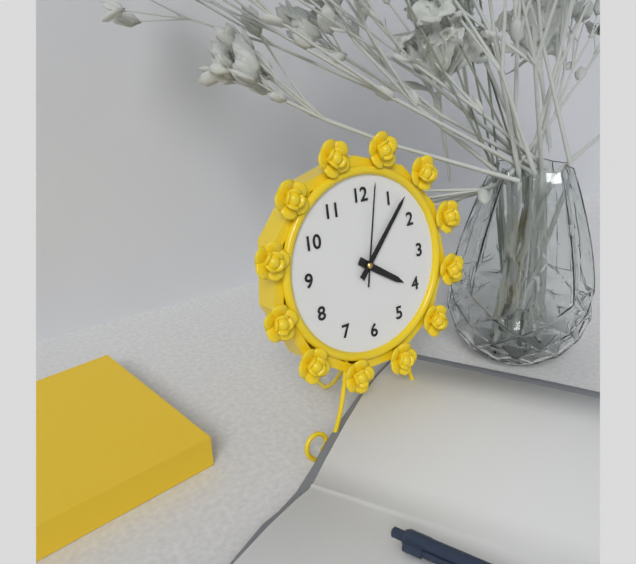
4:07:02
